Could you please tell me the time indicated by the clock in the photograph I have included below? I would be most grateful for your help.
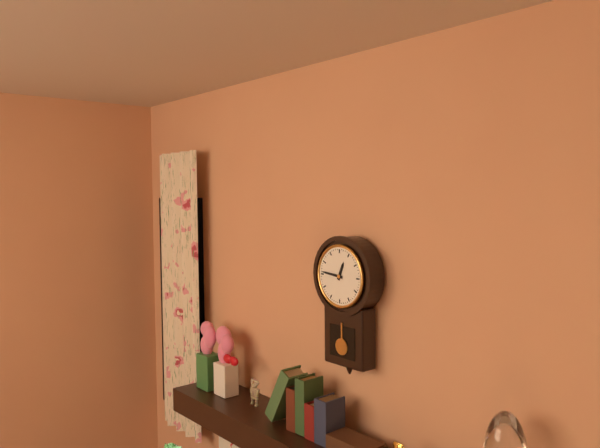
12:46
